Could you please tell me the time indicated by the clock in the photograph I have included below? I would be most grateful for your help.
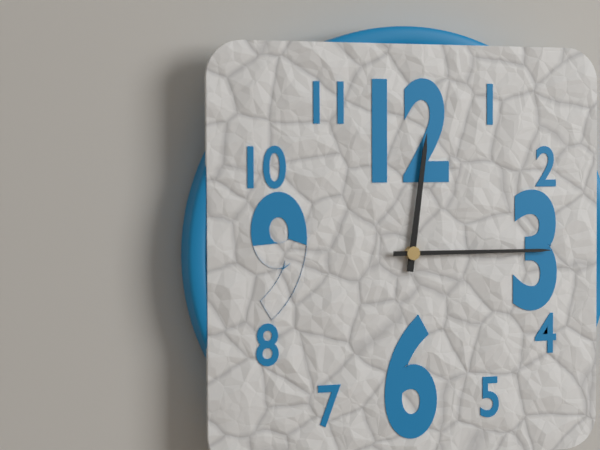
12:15
